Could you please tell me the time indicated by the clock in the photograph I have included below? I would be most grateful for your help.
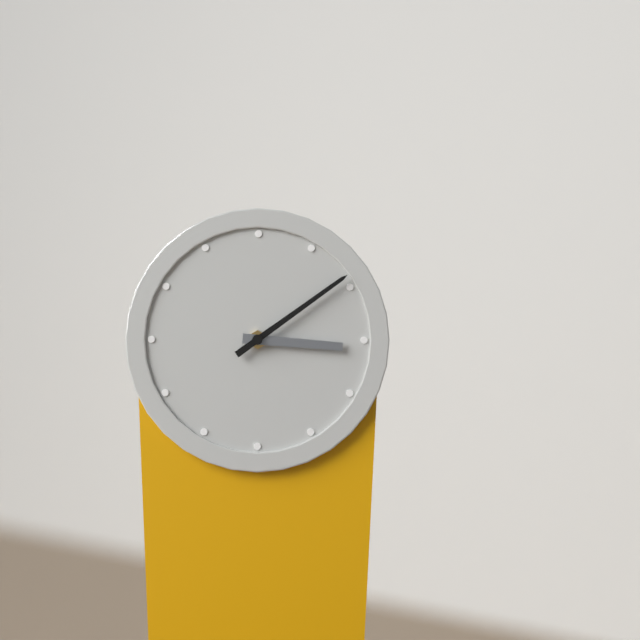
3:09
